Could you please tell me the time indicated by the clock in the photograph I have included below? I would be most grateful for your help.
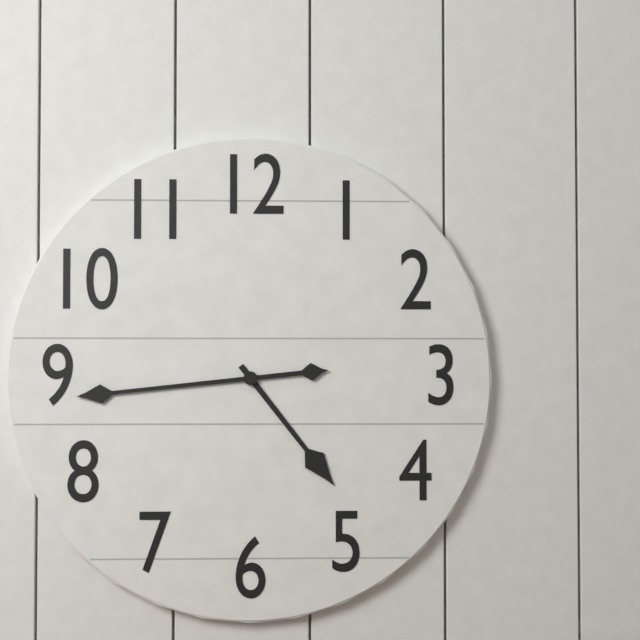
4:44
